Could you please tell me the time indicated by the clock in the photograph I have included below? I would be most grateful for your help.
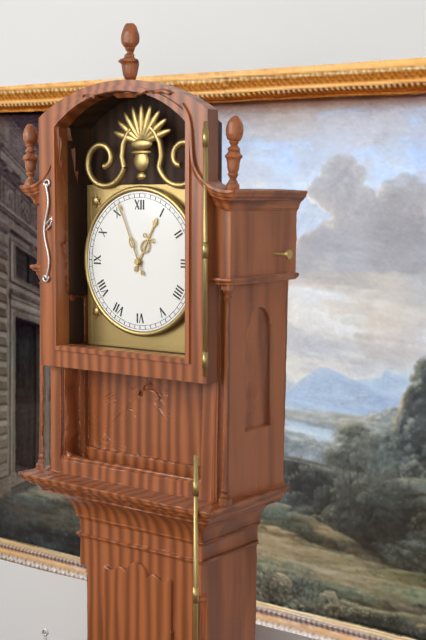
12:56
